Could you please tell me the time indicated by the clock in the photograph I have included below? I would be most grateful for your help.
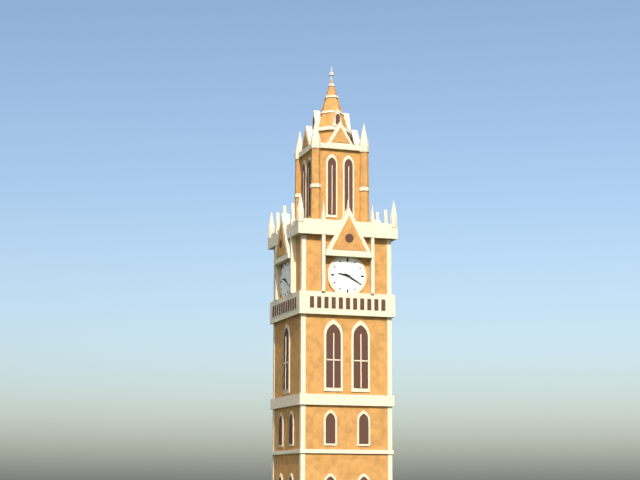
9:20
